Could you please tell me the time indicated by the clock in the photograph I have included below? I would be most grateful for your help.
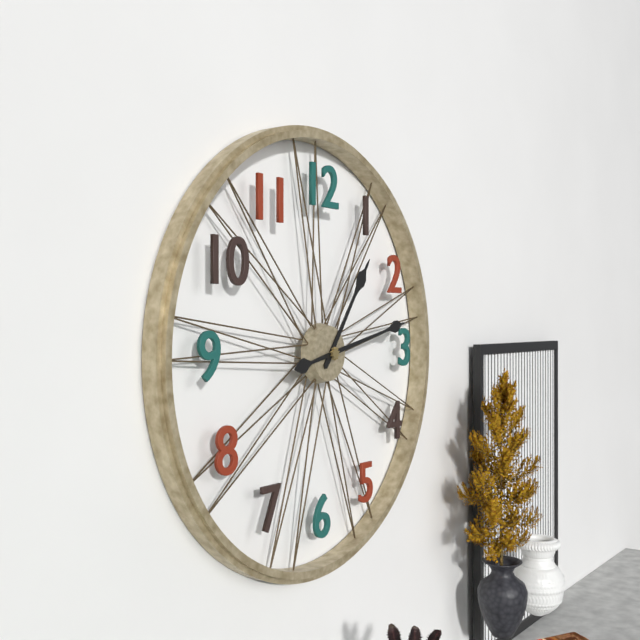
1:13
